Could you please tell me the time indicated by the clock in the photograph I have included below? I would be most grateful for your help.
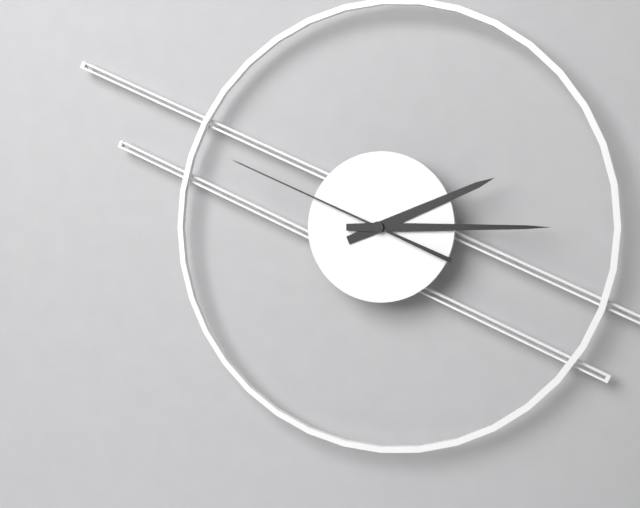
2:15:49
